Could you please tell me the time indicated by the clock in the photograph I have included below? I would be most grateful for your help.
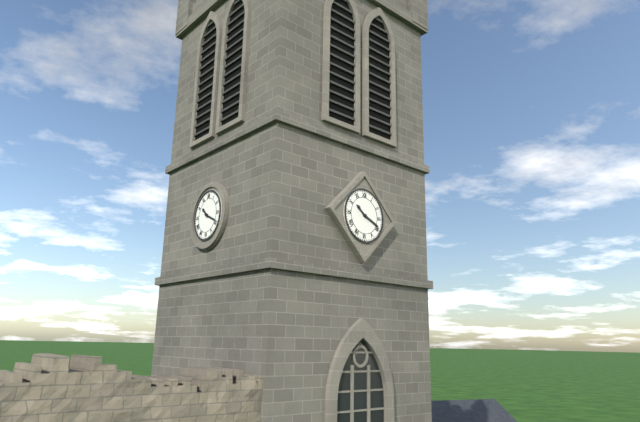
10:19
